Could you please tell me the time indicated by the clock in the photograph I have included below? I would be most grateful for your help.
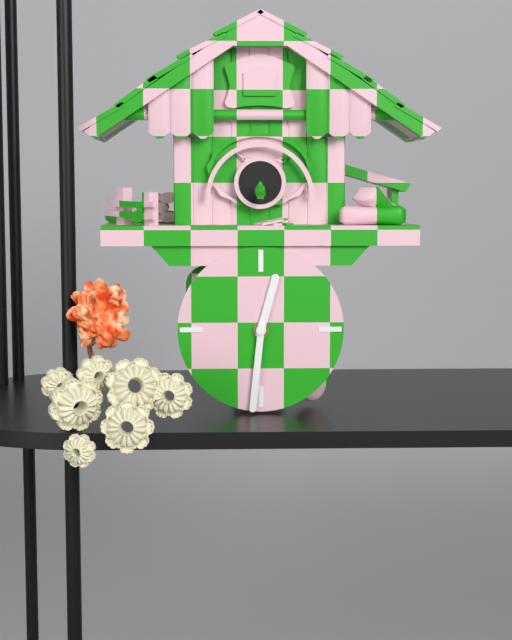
12:31
